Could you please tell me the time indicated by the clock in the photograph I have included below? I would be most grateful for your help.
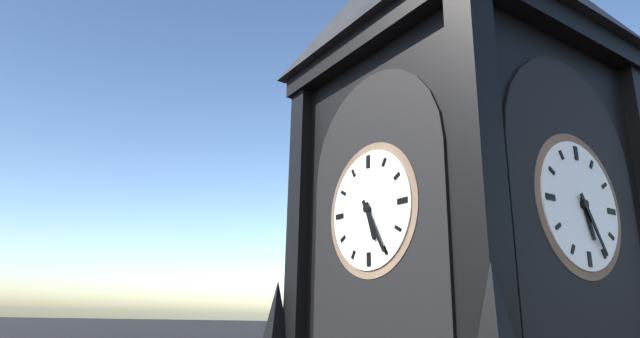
5:25
